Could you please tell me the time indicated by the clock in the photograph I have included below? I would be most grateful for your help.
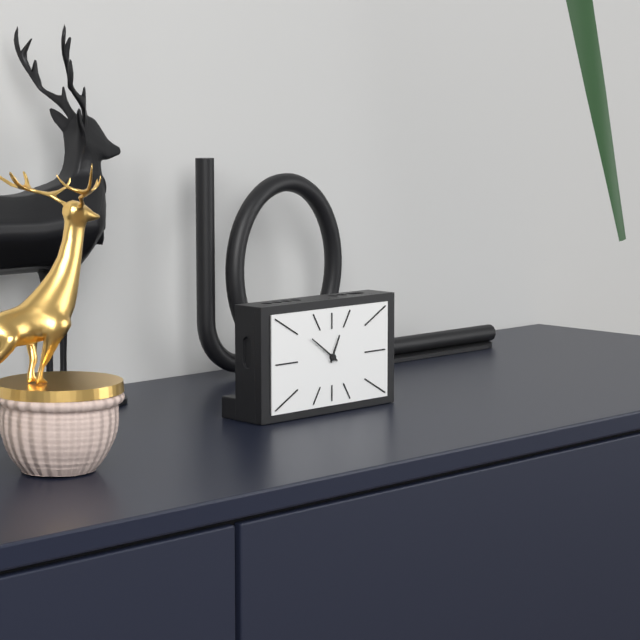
12:51
